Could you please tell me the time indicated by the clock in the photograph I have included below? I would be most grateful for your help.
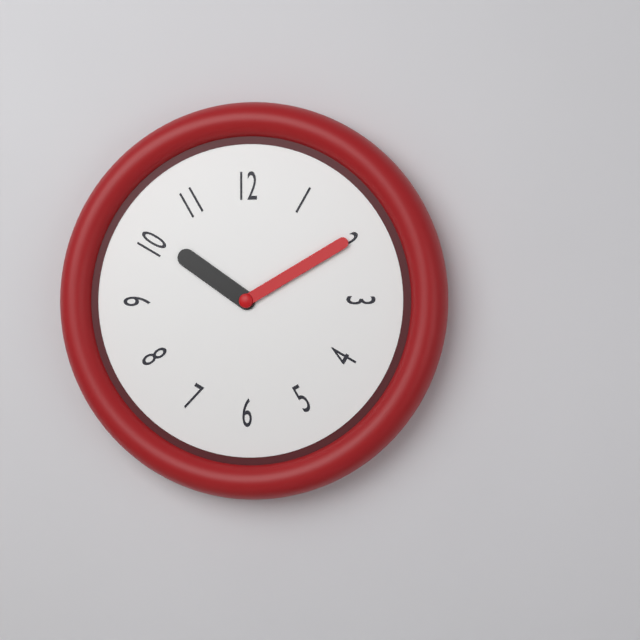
10:10
